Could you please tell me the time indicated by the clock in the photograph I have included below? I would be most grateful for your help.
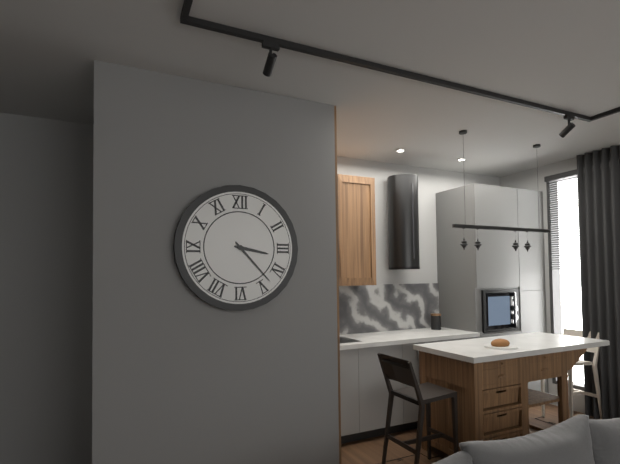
3:23
